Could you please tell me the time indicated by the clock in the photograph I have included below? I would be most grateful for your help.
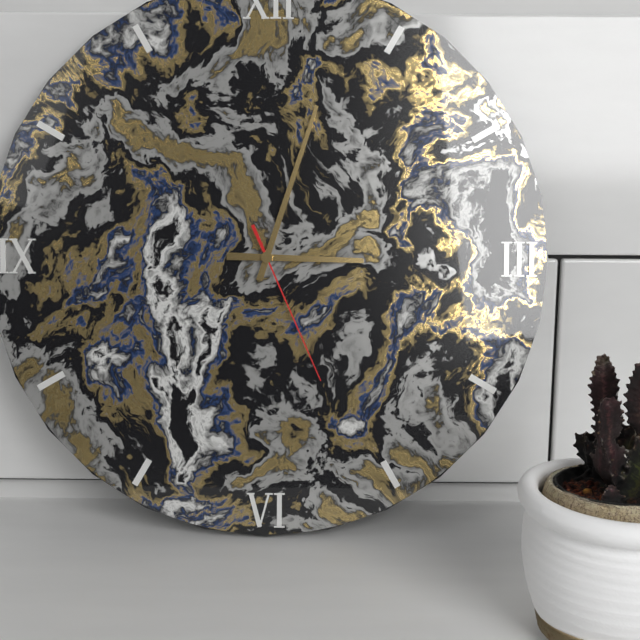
3:03:26
